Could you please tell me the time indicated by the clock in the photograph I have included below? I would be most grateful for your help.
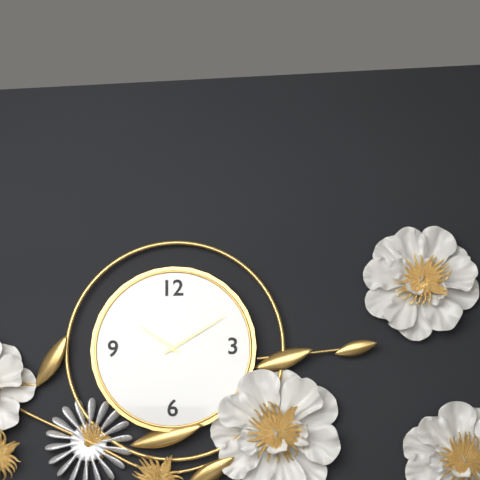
10:10
